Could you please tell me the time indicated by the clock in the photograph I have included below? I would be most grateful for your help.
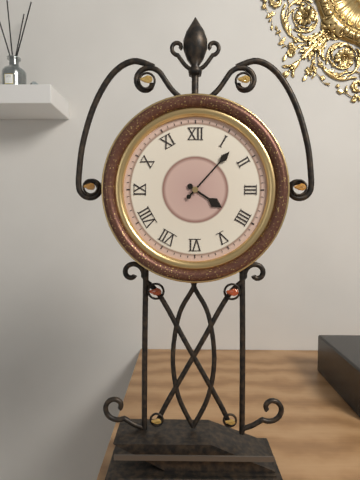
4:07
